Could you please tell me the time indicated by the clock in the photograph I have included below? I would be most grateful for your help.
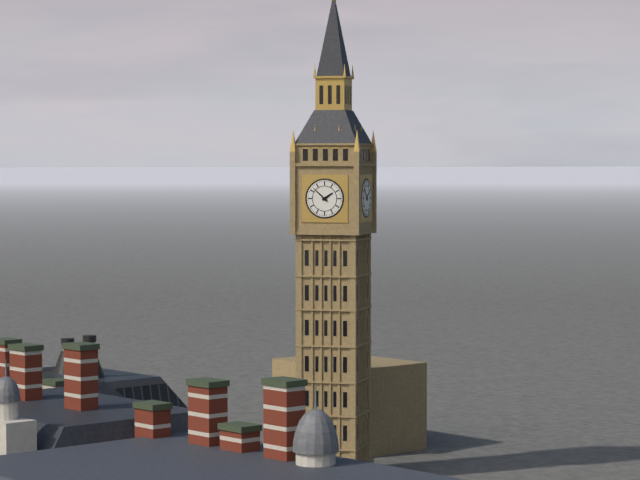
1:52
